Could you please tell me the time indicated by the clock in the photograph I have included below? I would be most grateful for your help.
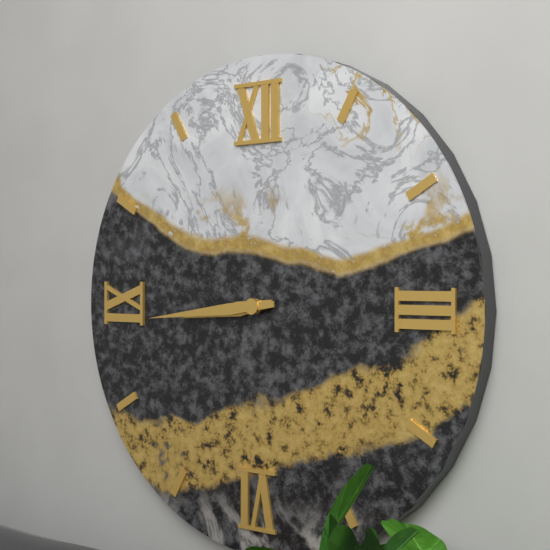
8:44
